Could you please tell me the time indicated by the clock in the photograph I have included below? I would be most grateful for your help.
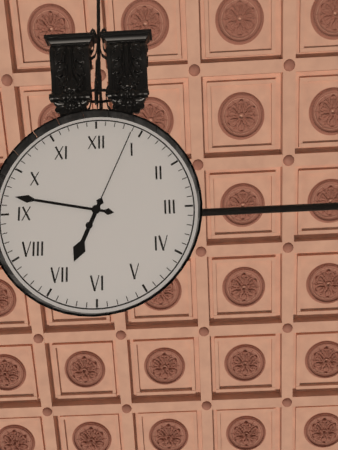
6:47:04
